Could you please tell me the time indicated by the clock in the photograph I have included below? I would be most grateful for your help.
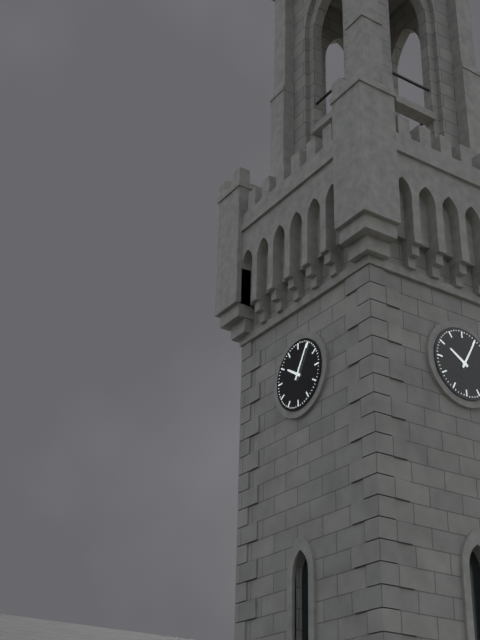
10:05
